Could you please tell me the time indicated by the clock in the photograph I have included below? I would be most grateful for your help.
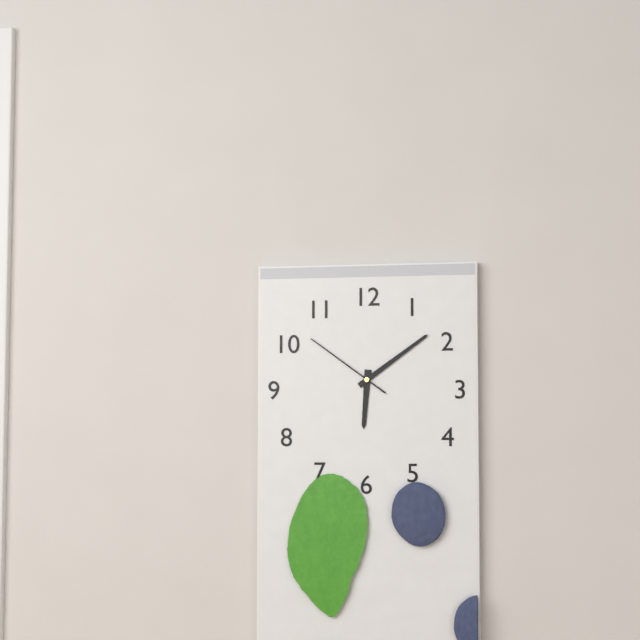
6:09:51
